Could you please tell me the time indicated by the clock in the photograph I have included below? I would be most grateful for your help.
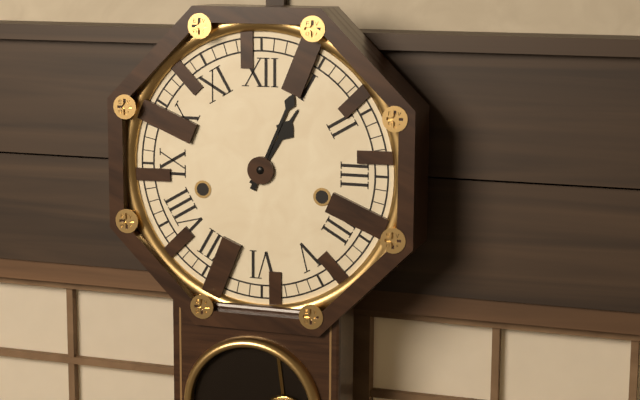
1:04
